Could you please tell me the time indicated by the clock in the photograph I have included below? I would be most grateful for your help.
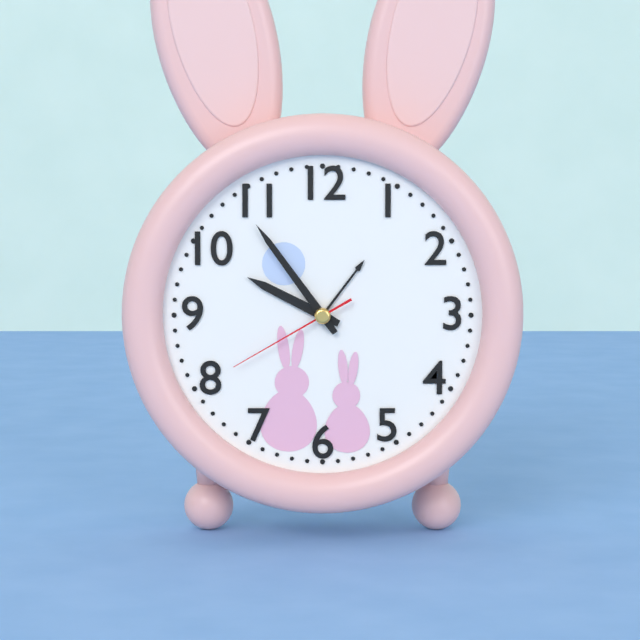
9:54:40
